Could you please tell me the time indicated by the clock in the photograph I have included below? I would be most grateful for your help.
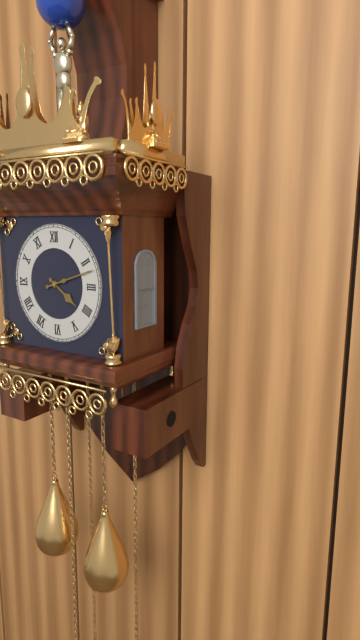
4:12
